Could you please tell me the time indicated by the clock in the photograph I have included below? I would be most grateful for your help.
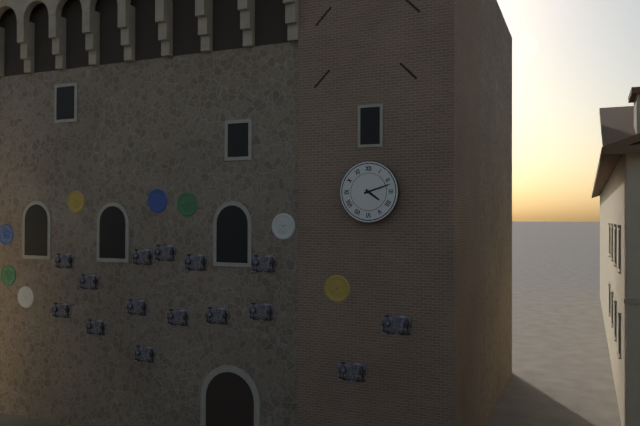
4:12
